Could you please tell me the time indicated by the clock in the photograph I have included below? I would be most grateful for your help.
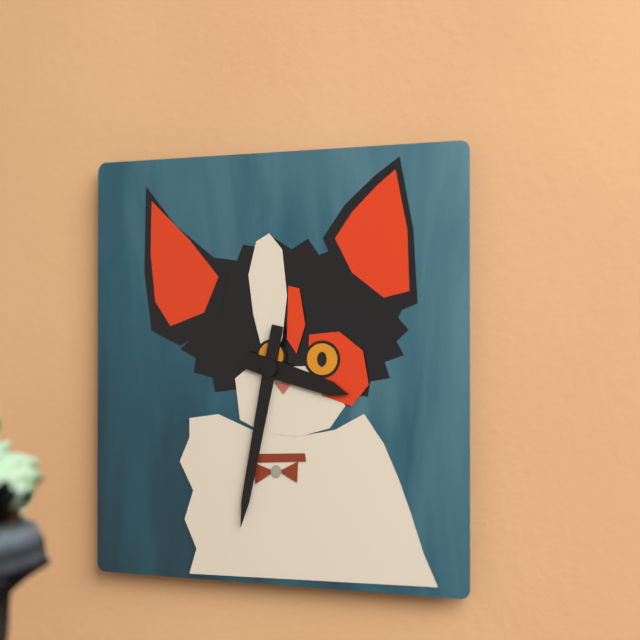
3:32
